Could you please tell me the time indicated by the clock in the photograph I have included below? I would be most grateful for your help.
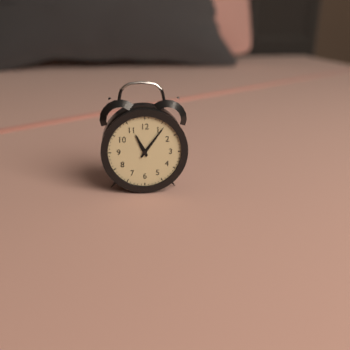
11:06
